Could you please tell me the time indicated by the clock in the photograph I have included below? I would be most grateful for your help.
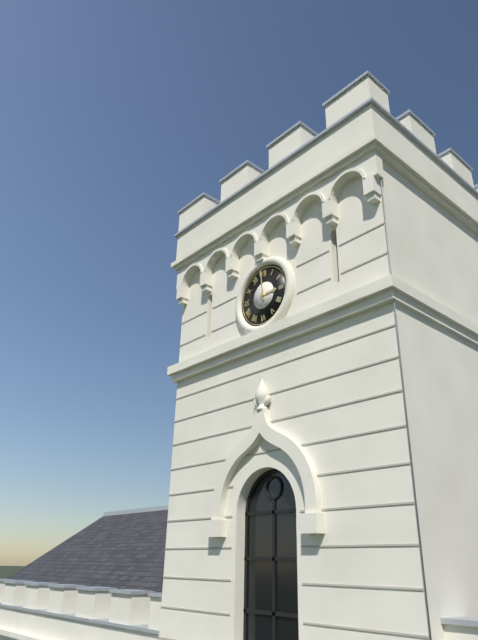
2:59
